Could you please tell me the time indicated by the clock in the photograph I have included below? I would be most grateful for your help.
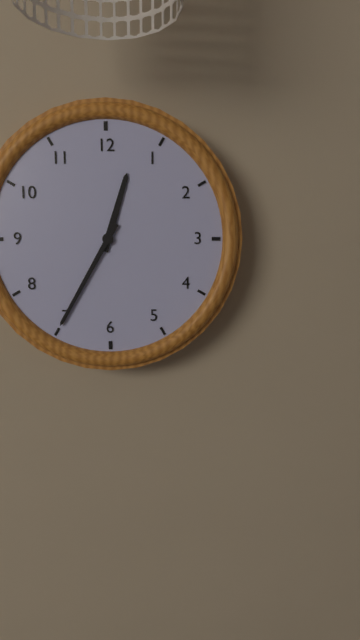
12:35
